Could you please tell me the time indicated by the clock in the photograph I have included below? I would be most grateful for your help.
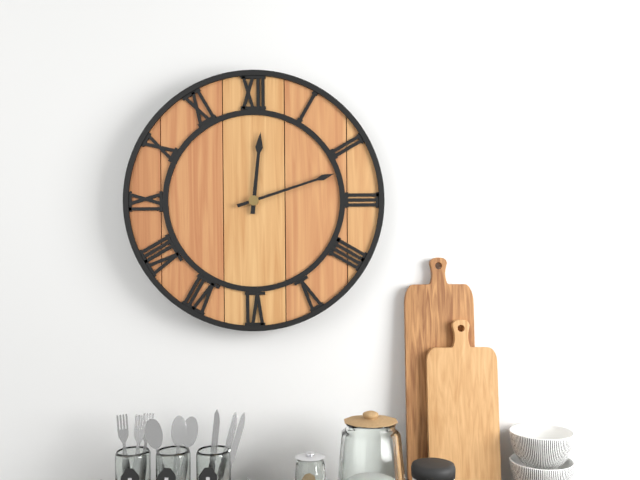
12:12
